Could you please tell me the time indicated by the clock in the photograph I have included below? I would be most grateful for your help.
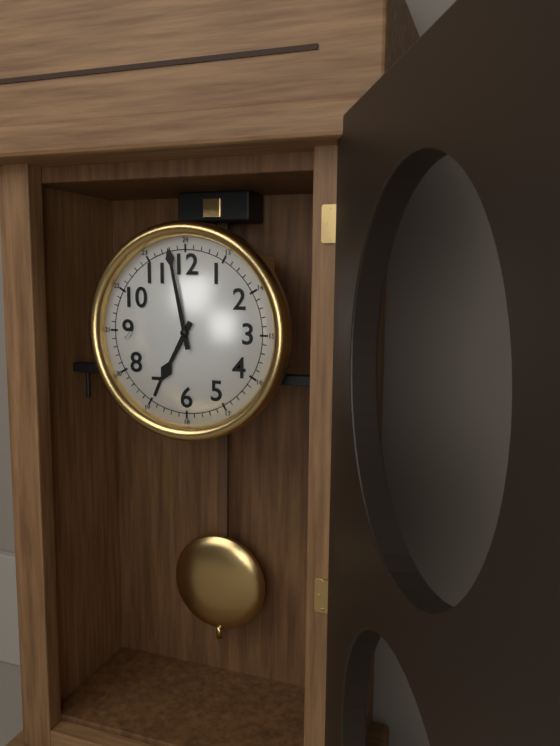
6:58
